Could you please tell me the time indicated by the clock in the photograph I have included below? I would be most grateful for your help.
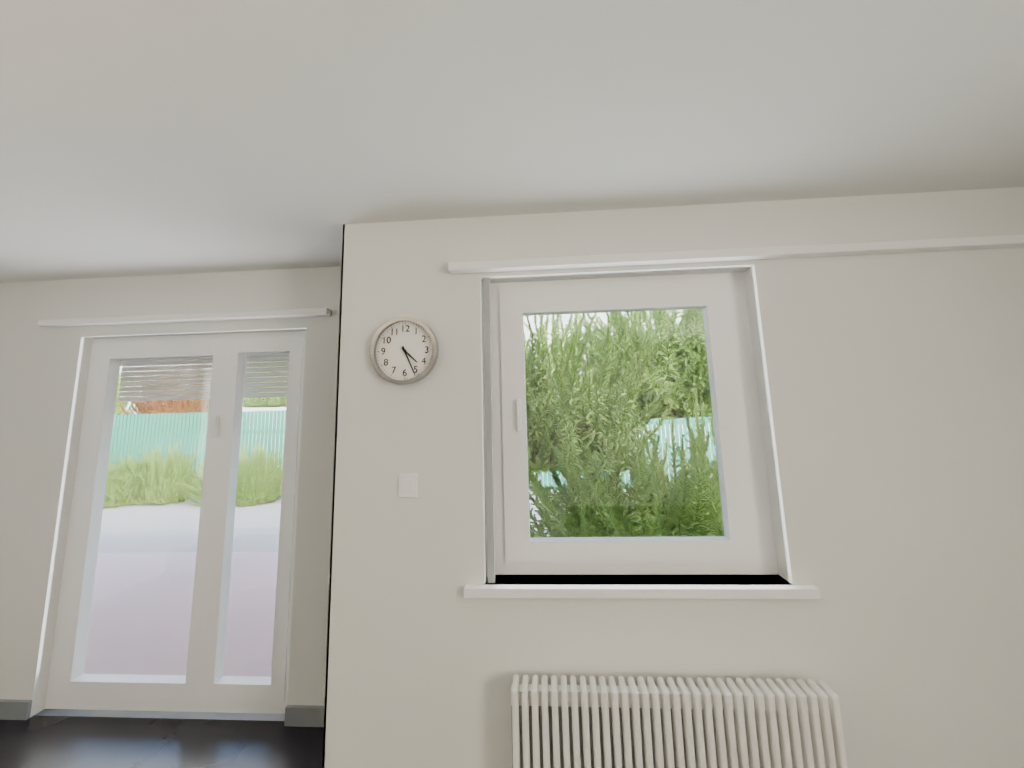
4:26
